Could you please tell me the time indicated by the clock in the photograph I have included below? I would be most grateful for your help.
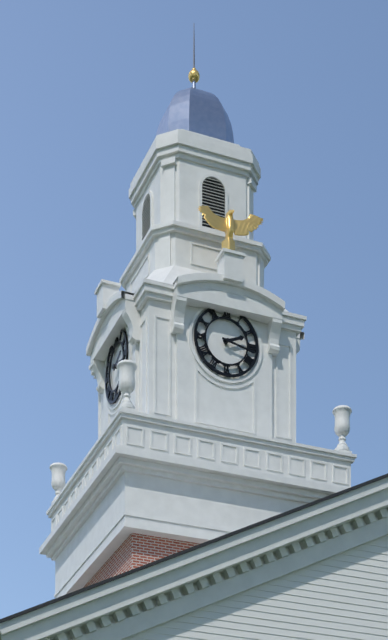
2:17
